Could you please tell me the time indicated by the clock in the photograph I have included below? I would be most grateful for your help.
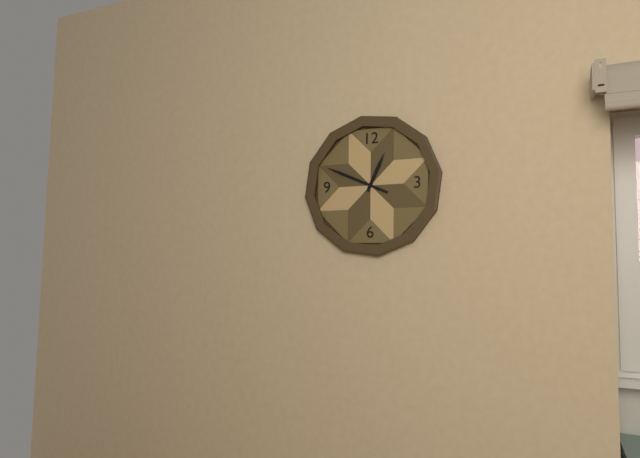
12:49
